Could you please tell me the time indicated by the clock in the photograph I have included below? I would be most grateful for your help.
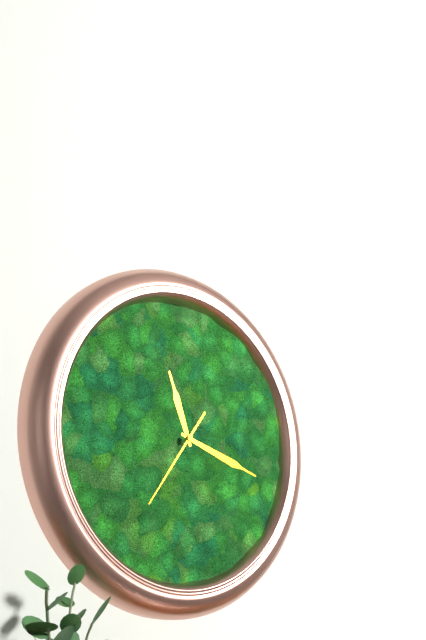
11:18:36
